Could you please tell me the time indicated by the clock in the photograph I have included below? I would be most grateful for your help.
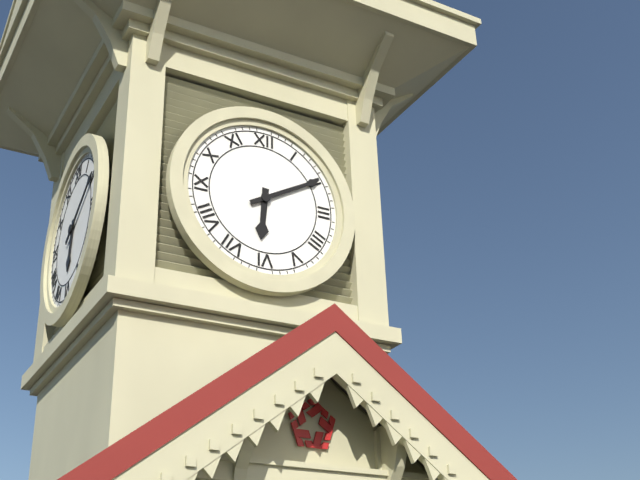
6:10
